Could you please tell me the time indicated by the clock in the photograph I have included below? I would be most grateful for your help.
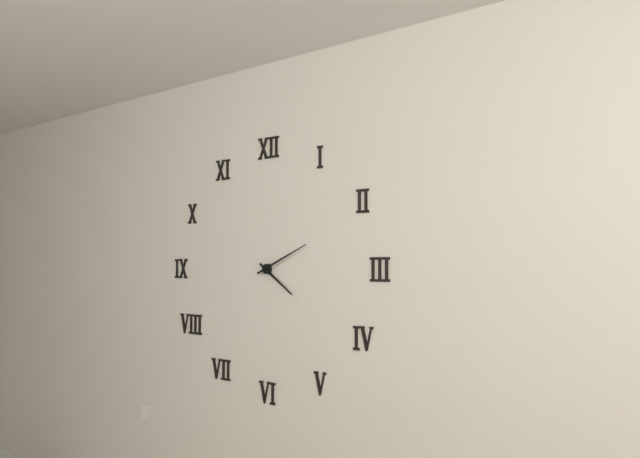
4:11
